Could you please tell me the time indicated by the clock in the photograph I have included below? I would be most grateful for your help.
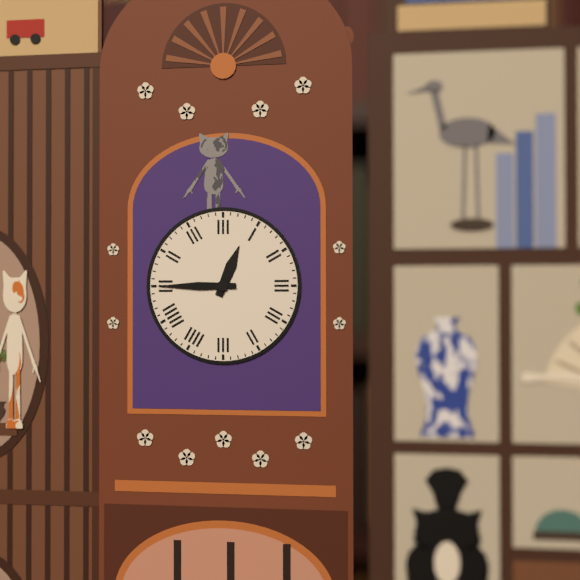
12:45
